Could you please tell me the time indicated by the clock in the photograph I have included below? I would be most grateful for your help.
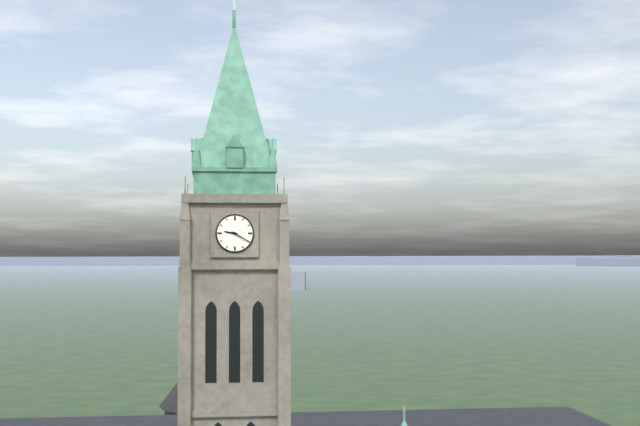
9:20
